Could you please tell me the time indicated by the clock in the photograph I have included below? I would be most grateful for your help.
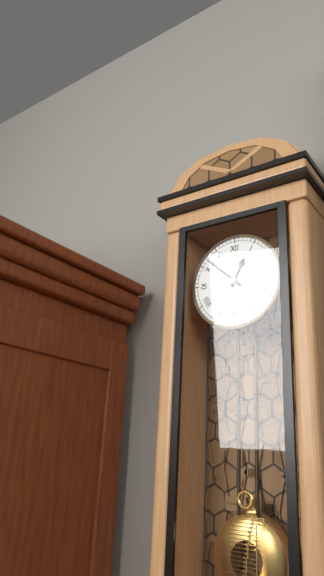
12:52
